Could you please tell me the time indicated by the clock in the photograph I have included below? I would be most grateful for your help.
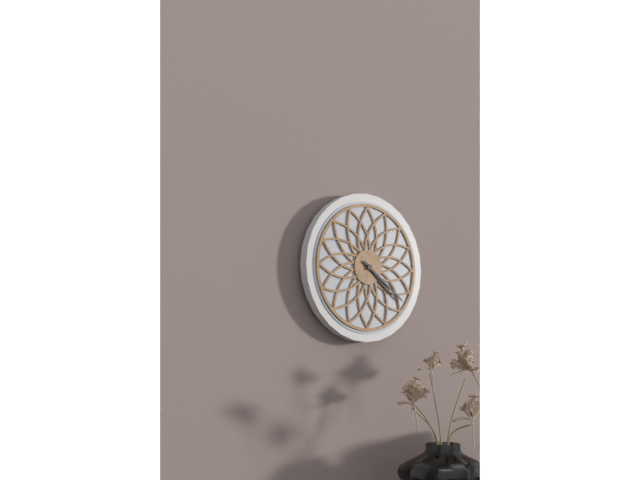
4:21
